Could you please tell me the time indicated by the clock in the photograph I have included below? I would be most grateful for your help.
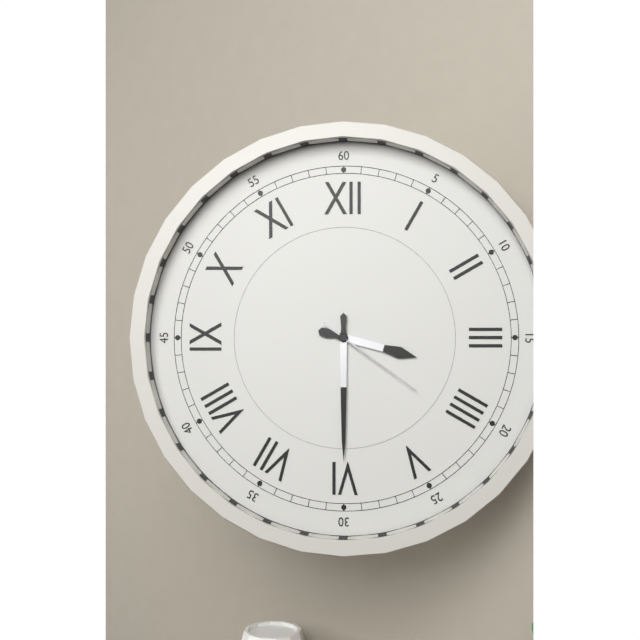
3:30:21
